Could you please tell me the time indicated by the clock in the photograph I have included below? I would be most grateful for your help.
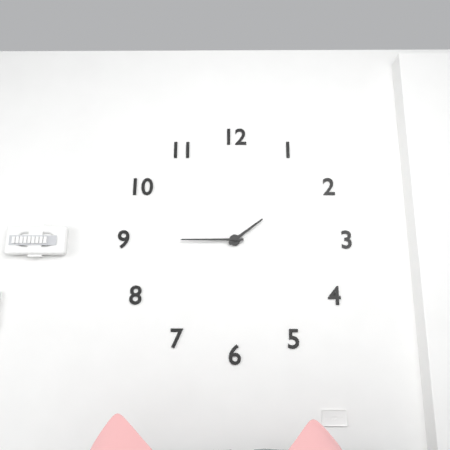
1:45
